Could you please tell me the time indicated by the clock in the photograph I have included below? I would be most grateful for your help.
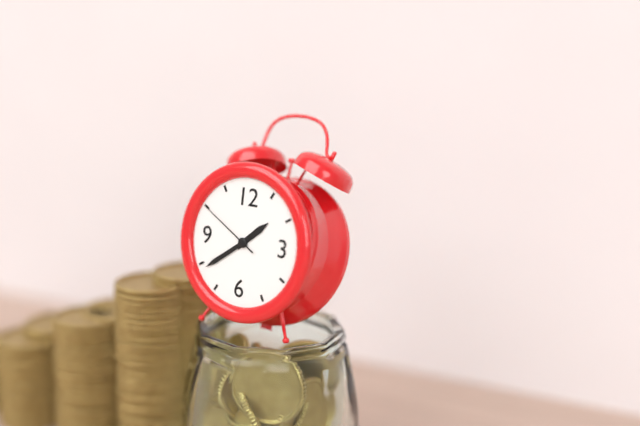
1:39:50
